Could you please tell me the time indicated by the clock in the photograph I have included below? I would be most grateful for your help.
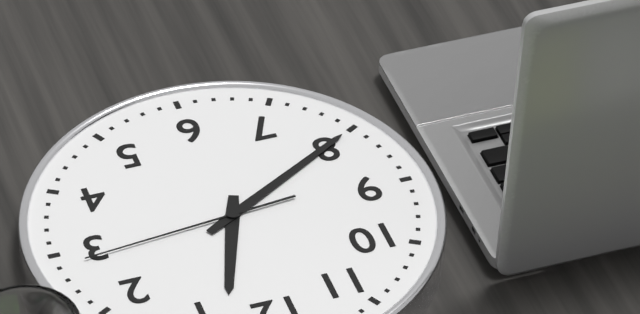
12:40:14
